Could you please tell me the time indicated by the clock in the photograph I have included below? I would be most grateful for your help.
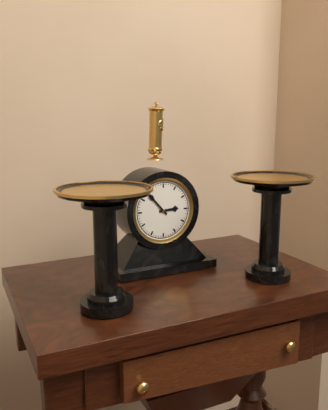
2:53
